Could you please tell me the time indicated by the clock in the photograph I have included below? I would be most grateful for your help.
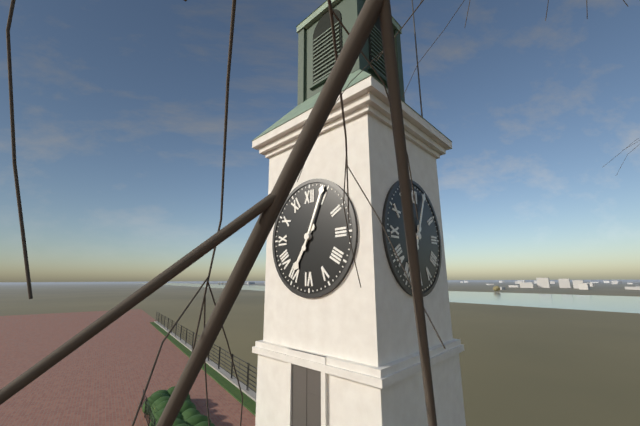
7:04
